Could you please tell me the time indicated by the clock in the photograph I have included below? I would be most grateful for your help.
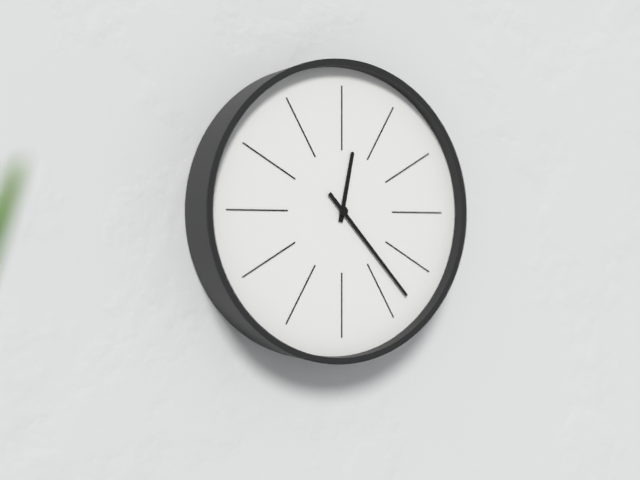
12:23
